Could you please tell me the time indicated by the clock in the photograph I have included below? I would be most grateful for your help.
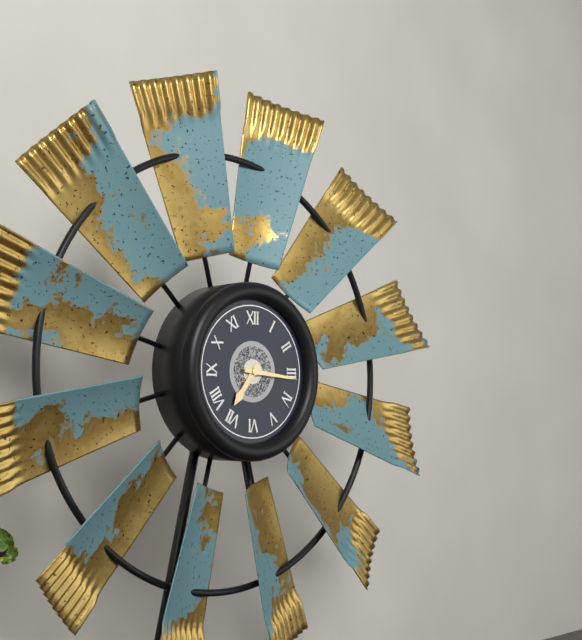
7:16
